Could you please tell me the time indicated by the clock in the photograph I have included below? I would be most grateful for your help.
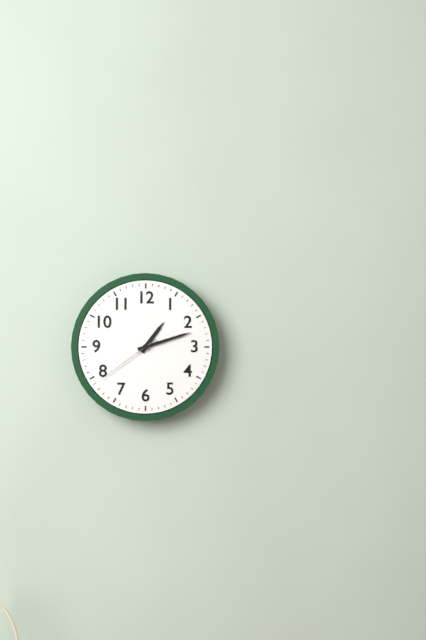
1:12:39
